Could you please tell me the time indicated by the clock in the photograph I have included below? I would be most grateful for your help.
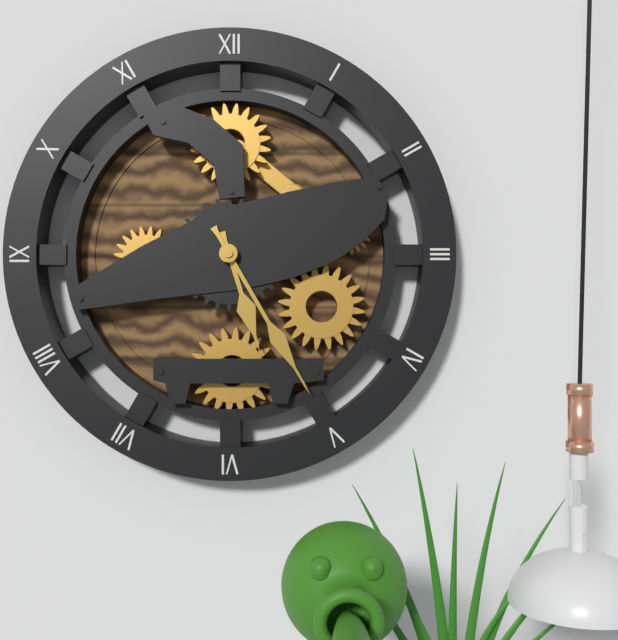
5:25
